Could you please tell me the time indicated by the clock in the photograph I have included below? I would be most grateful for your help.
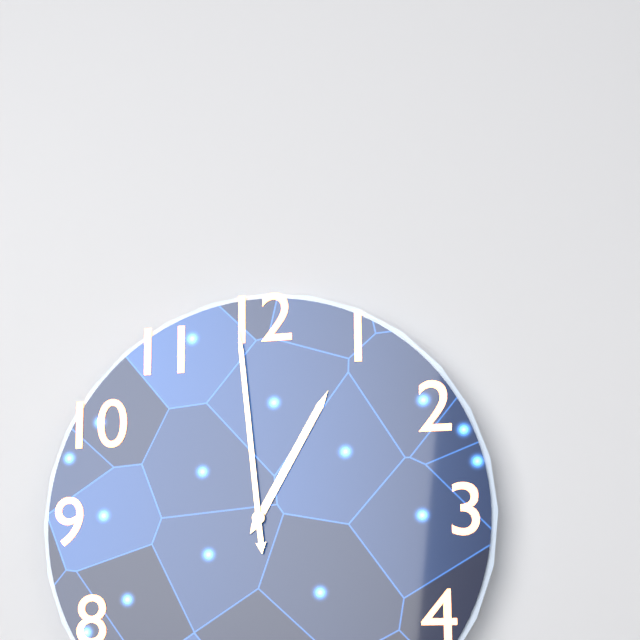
12:59
